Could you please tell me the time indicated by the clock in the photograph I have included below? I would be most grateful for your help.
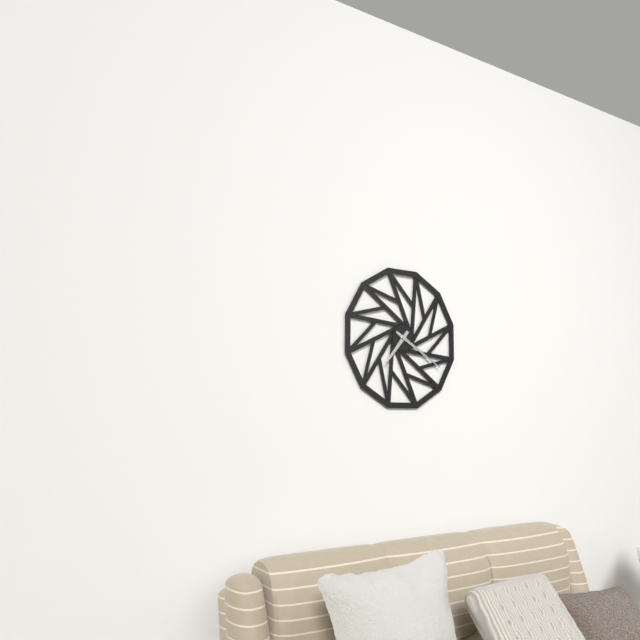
7:20
